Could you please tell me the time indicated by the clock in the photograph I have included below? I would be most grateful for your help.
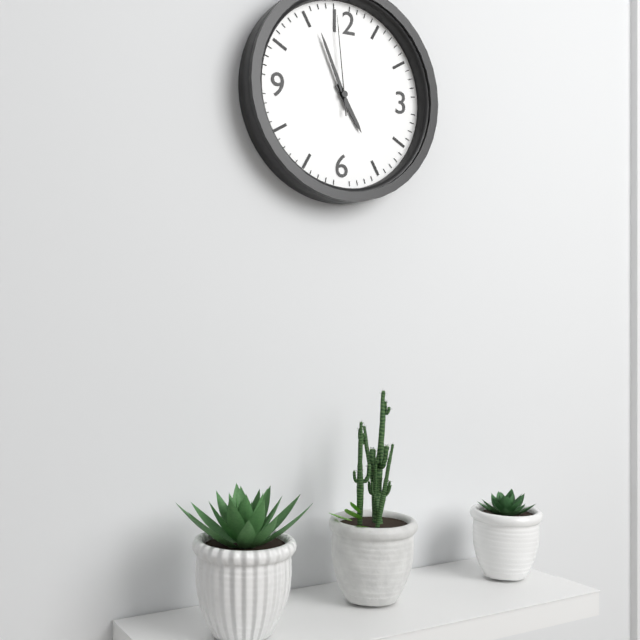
4:56:59
